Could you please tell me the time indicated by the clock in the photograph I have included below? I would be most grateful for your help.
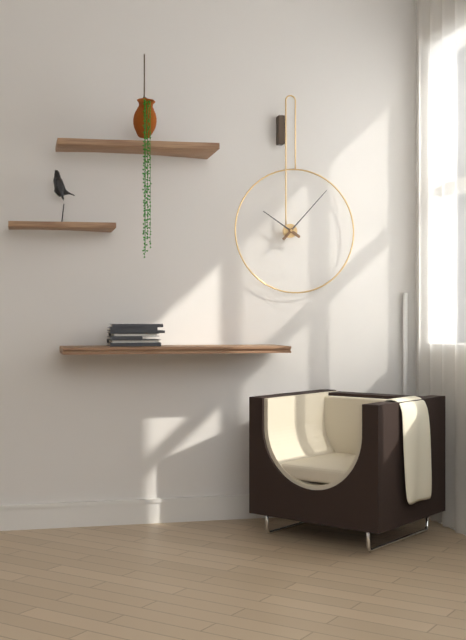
10:07
